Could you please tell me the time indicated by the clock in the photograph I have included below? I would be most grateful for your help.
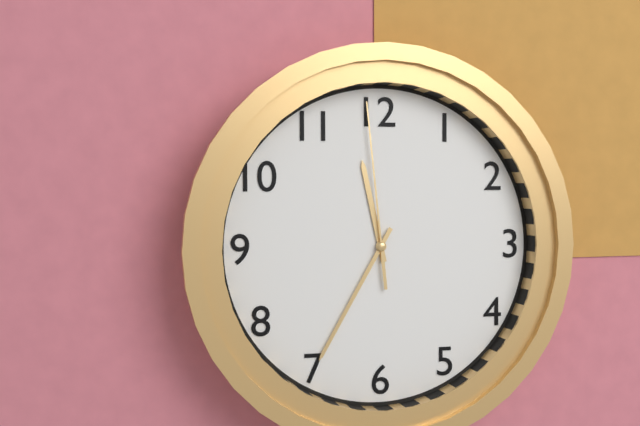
11:35:59
